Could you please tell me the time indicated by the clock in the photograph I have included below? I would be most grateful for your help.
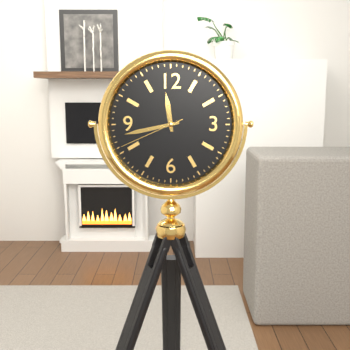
11:43:41
